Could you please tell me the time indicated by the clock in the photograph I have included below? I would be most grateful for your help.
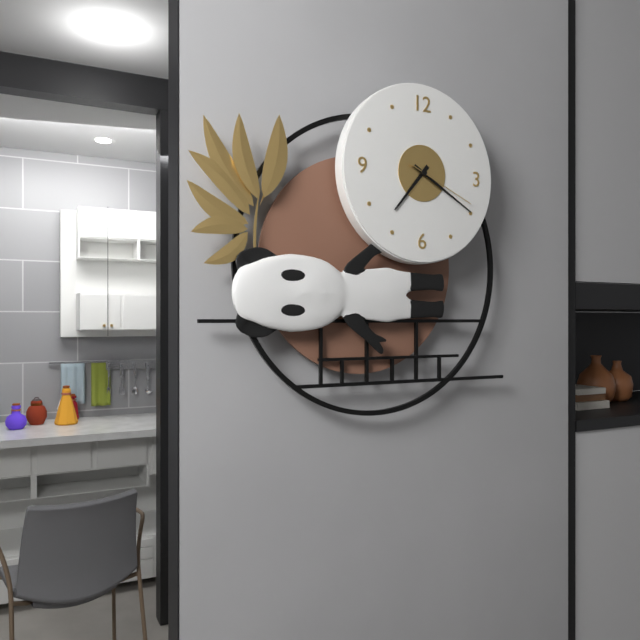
7:20:19
